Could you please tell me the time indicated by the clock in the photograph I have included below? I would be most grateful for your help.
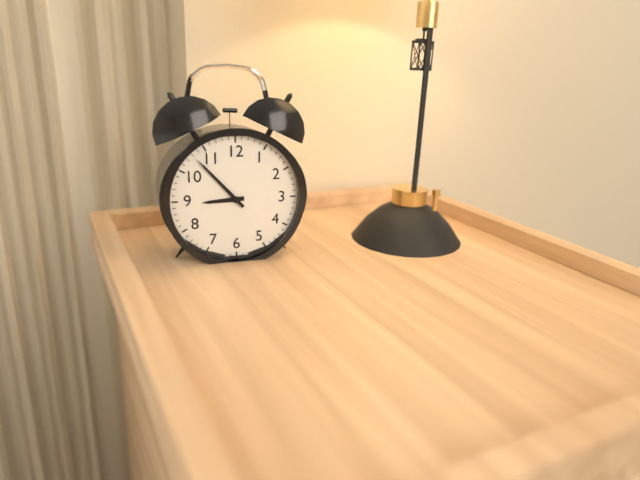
8:53
